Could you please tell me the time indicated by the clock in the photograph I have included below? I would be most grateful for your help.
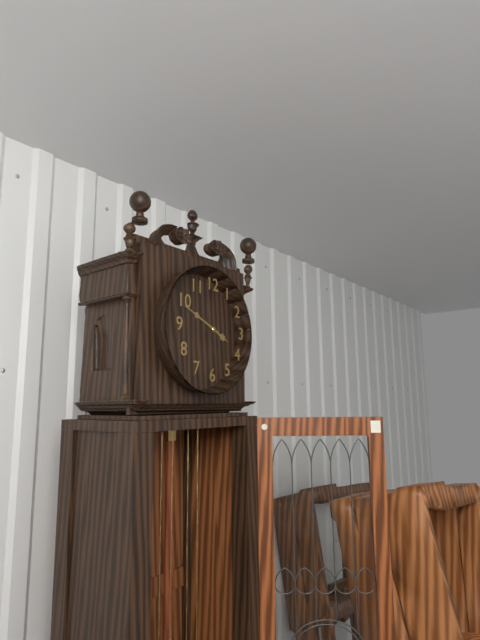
3:49
